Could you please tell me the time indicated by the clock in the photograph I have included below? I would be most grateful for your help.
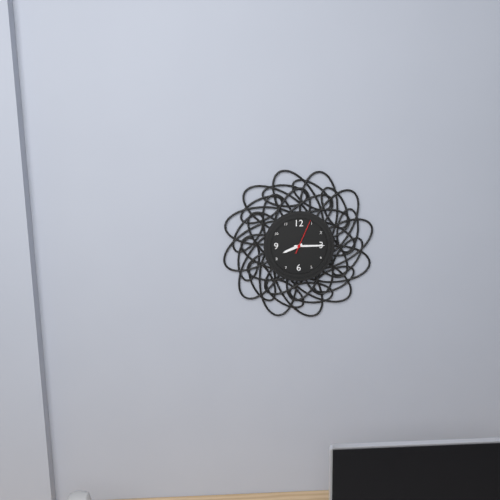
8:15
